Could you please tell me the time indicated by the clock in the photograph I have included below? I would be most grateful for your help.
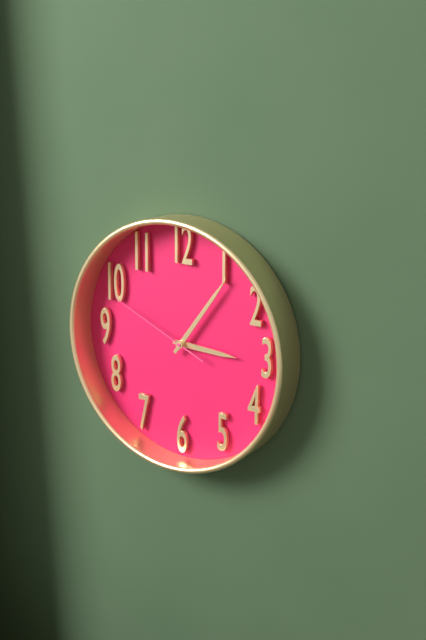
3:06:49
